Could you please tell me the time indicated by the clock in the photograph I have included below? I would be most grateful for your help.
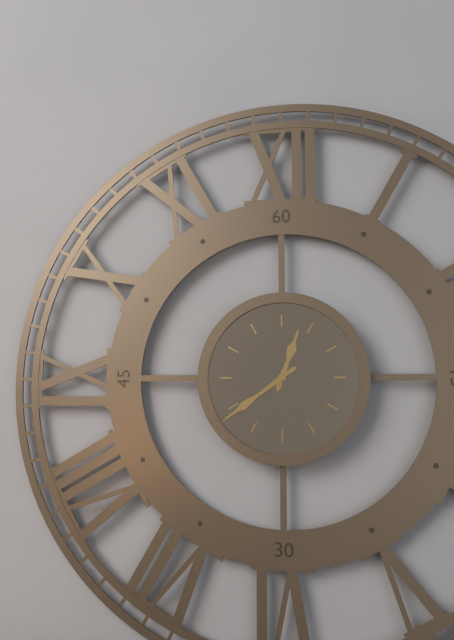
12:39
